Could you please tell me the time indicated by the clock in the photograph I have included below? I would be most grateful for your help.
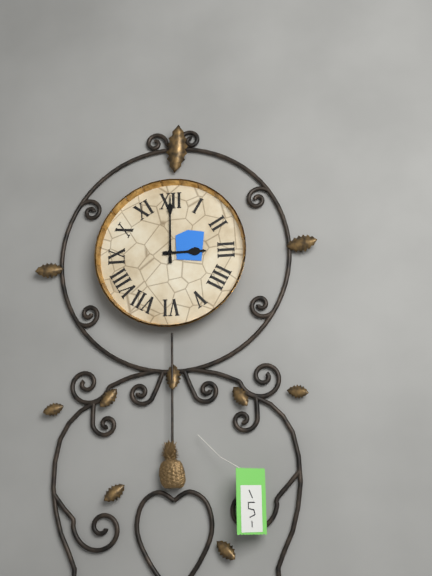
3:00
